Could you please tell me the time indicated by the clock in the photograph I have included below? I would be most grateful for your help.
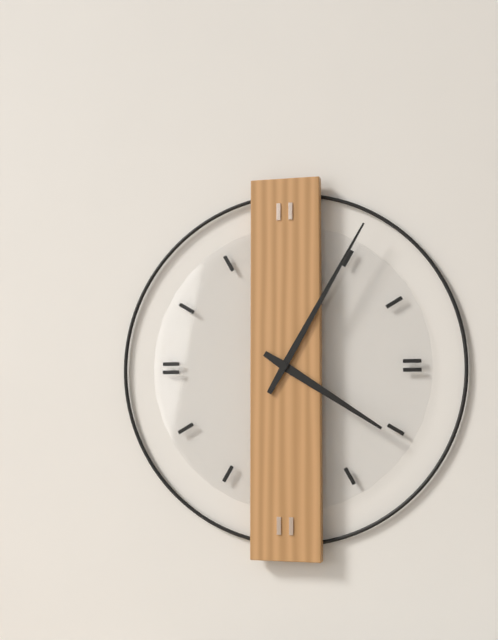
4:05
